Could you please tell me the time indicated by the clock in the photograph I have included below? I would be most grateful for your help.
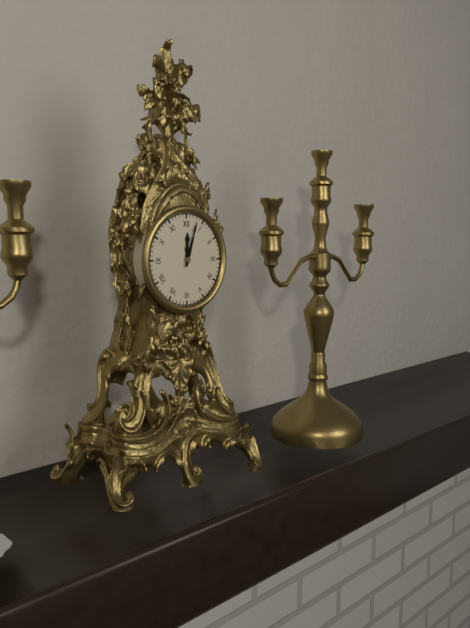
12:03
